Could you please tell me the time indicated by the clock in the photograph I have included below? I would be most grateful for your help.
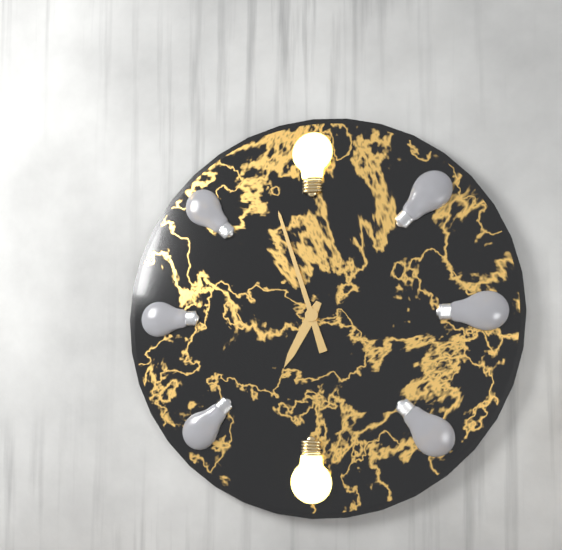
6:57
